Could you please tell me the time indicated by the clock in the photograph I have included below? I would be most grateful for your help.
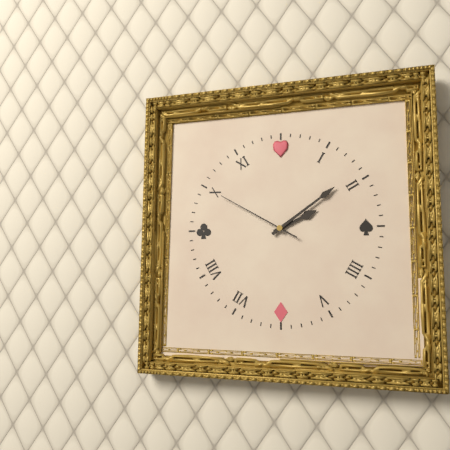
2:09:50
